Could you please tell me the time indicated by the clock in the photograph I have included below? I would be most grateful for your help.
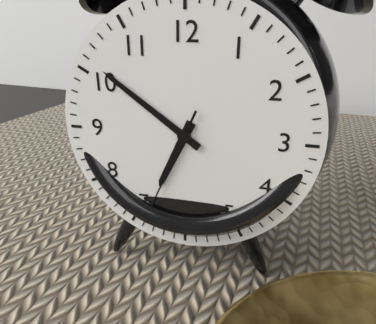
6:51:34
